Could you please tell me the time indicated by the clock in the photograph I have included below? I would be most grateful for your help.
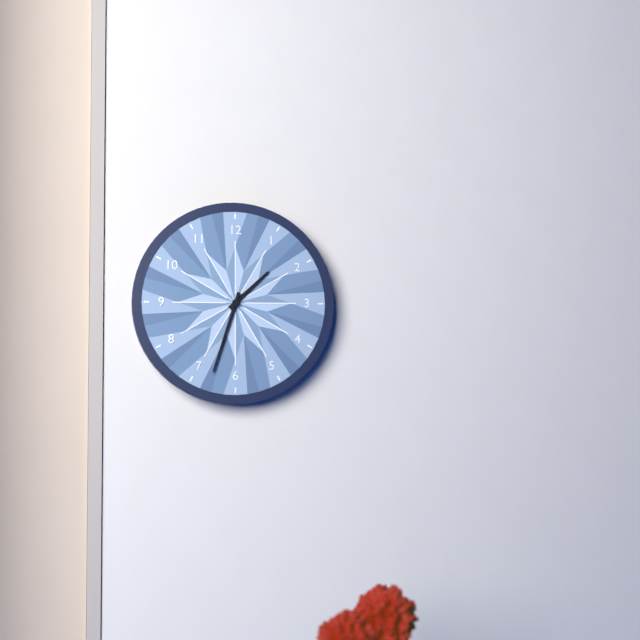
1:33
